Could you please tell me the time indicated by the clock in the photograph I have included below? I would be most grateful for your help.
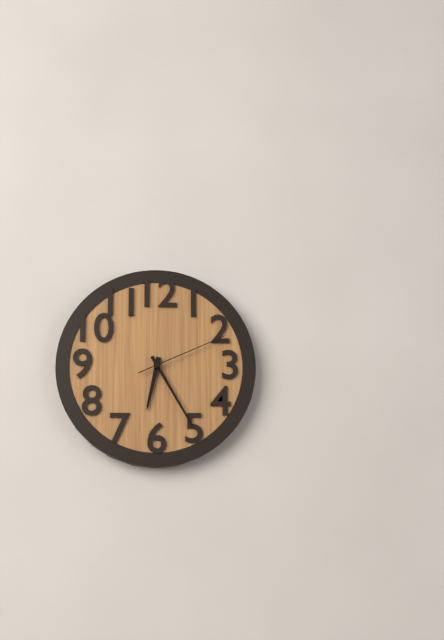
6:25:11
